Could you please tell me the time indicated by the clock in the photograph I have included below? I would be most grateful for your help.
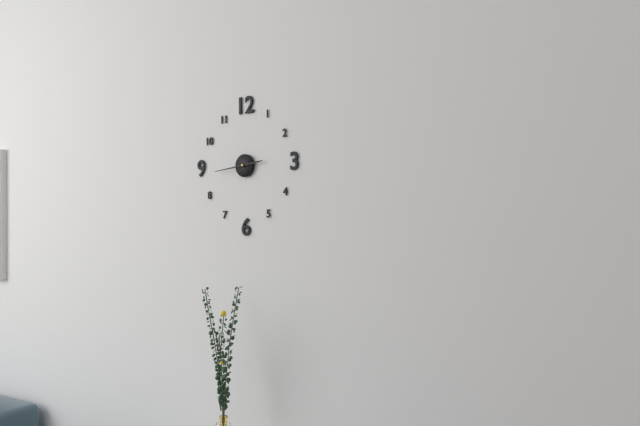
2:44
